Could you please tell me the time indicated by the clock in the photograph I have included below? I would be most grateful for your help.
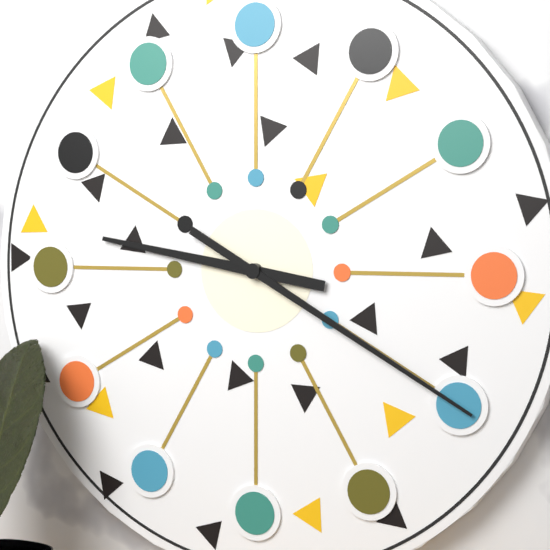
9:20
